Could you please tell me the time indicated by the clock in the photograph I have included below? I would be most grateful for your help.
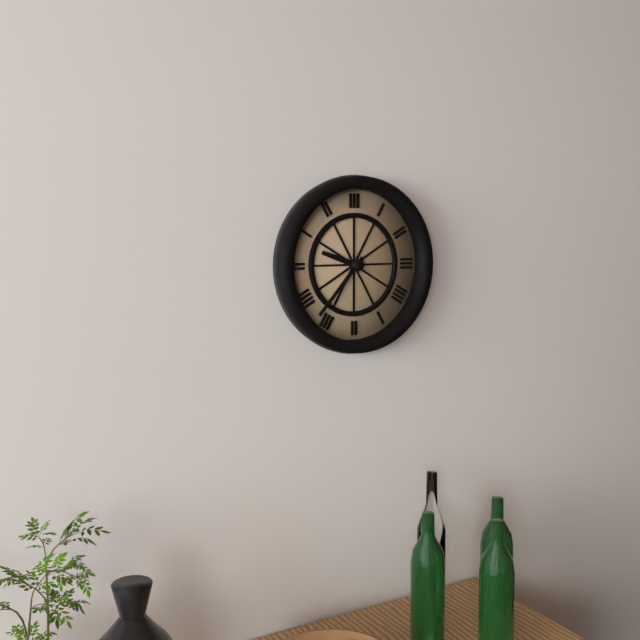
9:37
